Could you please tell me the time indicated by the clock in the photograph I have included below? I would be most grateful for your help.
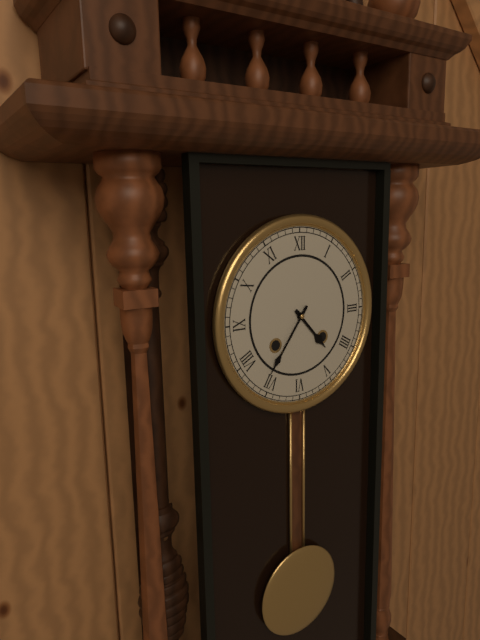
4:36
